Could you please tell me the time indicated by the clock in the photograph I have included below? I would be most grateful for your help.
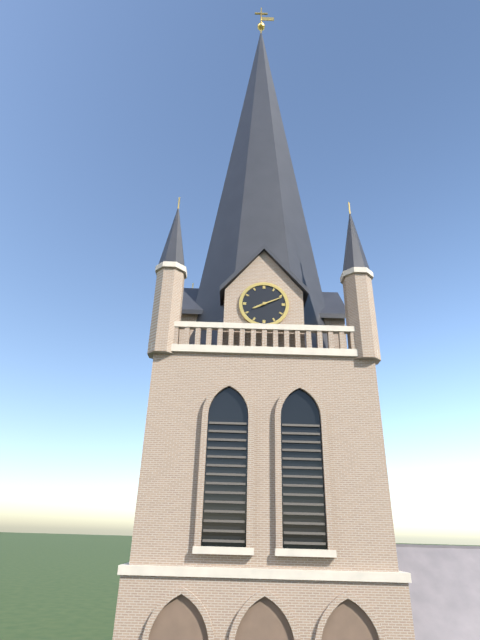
8:11
